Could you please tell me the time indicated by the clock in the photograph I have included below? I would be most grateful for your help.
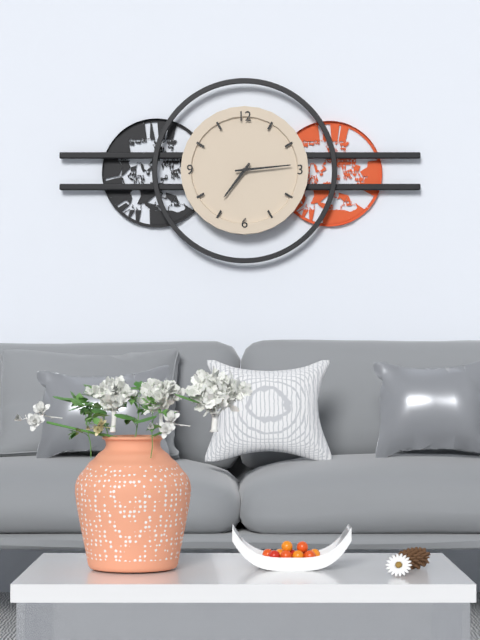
7:14
